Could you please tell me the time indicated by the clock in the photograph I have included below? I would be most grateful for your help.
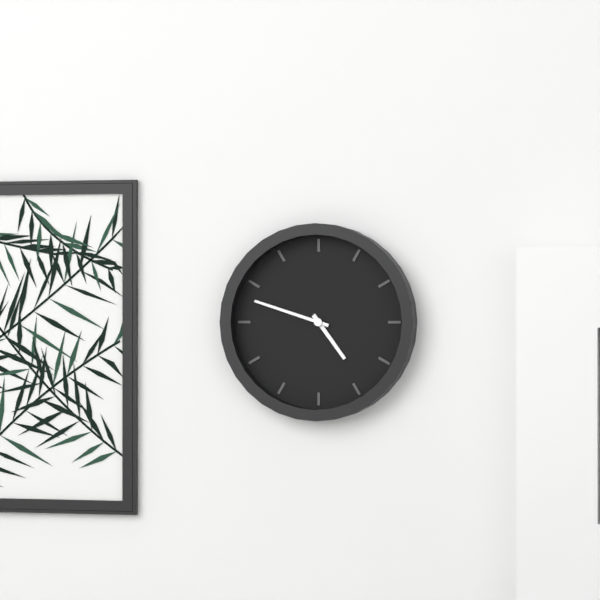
4:48
